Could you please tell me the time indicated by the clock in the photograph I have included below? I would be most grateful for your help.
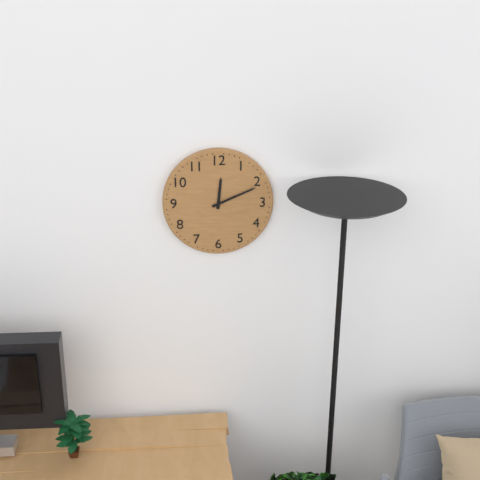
12:11
